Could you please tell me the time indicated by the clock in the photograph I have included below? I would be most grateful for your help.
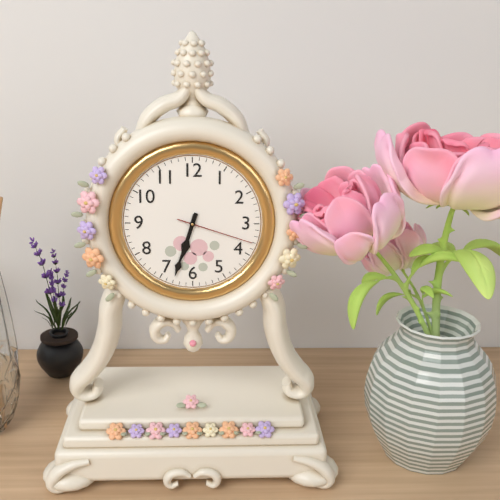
6:33:18
